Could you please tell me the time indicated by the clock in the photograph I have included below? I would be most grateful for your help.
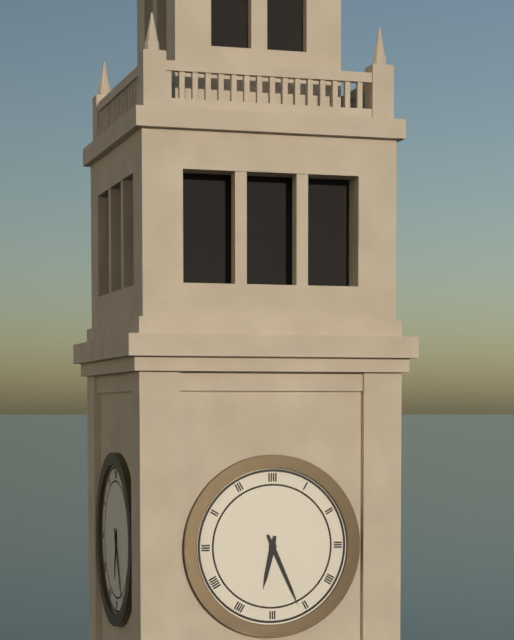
6:26
